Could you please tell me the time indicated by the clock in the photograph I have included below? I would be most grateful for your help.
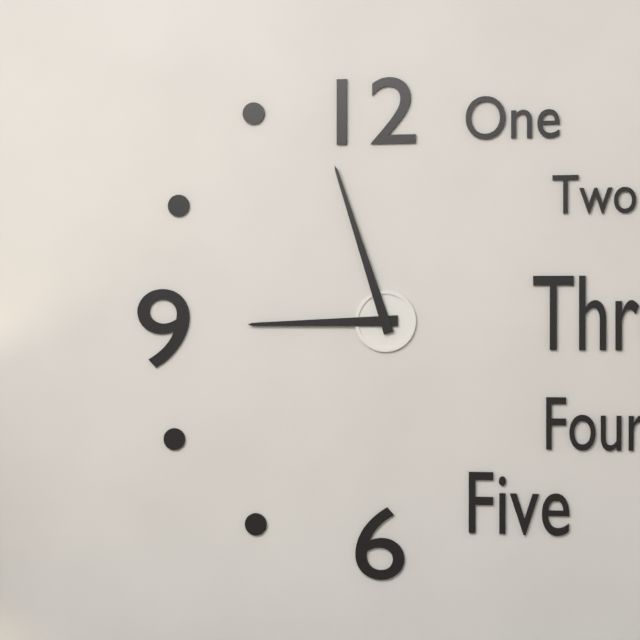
8:57
